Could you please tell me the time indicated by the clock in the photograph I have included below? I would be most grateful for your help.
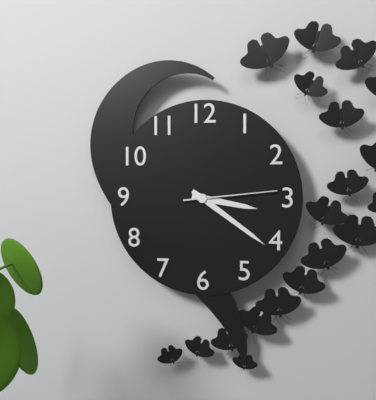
3:21:14
